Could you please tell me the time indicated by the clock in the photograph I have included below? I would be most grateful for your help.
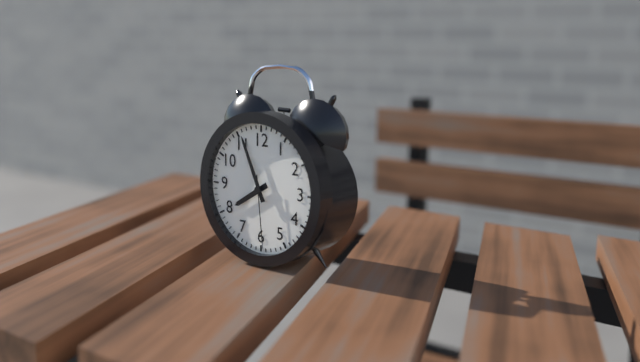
7:56:29
